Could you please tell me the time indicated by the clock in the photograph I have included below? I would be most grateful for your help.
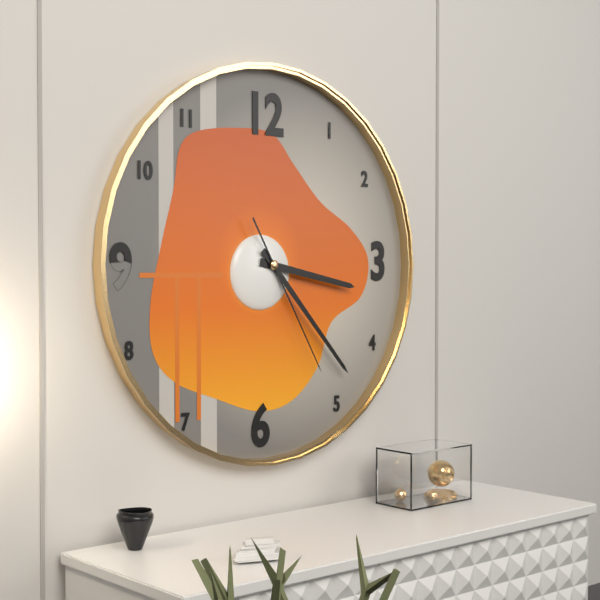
3:23:25
